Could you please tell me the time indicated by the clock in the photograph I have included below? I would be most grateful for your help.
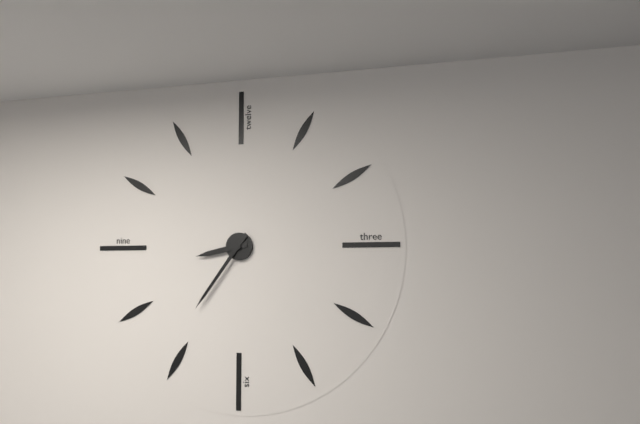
8:36
